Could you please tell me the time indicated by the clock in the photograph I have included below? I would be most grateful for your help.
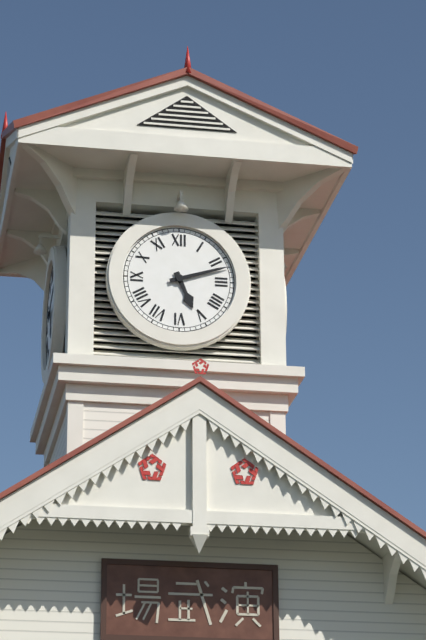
5:12
